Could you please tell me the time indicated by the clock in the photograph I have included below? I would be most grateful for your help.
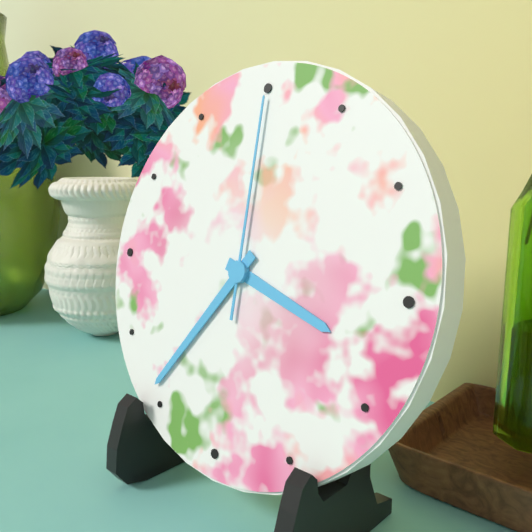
3:36:00
